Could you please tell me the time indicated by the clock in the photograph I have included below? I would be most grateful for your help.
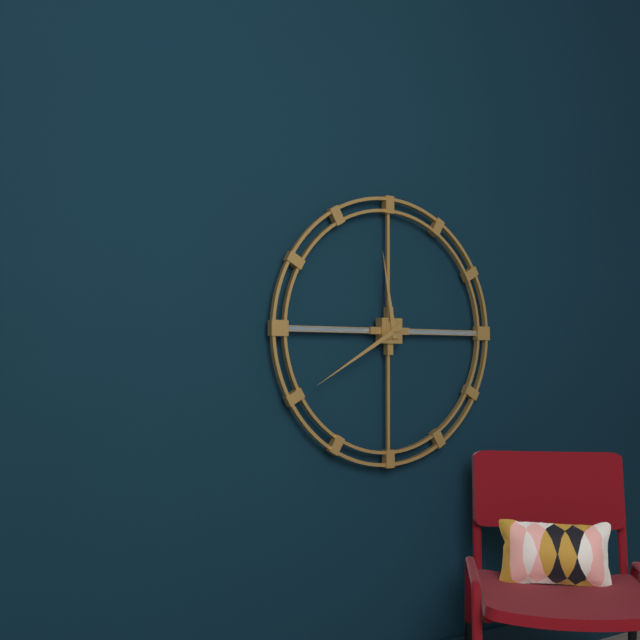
11:40
